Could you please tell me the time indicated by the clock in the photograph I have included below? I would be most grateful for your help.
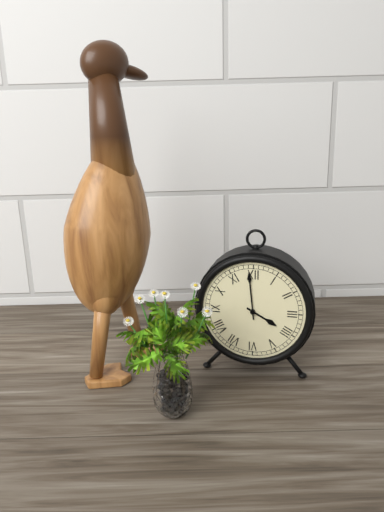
3:59
